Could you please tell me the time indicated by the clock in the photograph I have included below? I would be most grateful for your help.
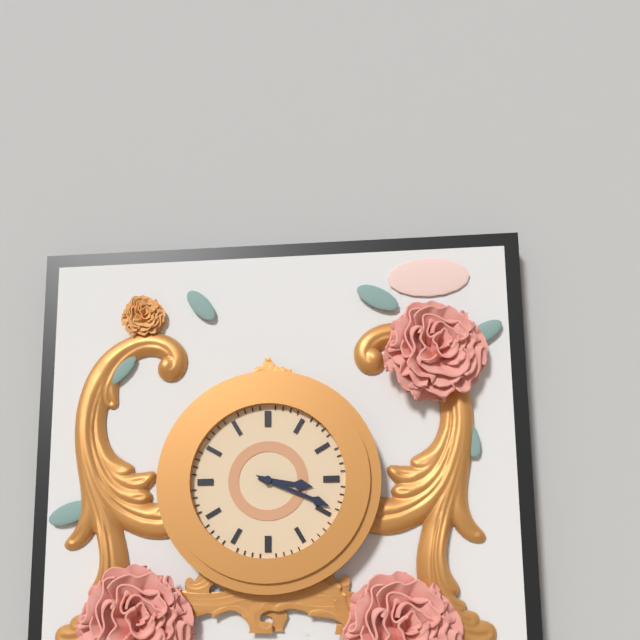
3:19
